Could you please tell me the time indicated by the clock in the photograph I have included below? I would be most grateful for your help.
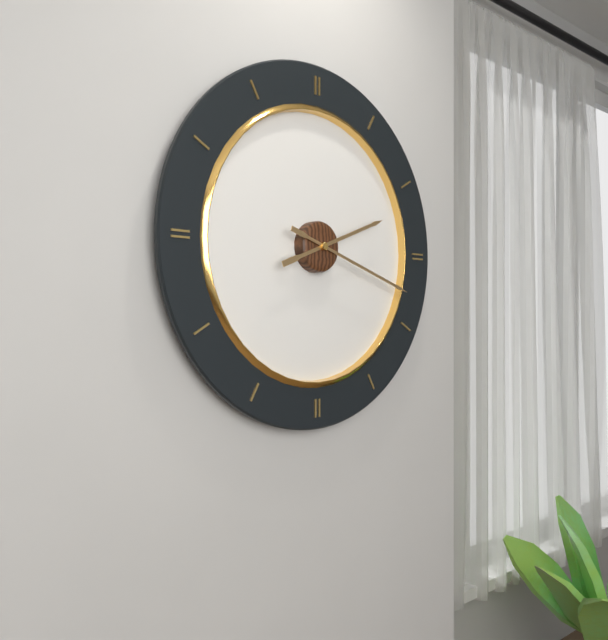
2:18
